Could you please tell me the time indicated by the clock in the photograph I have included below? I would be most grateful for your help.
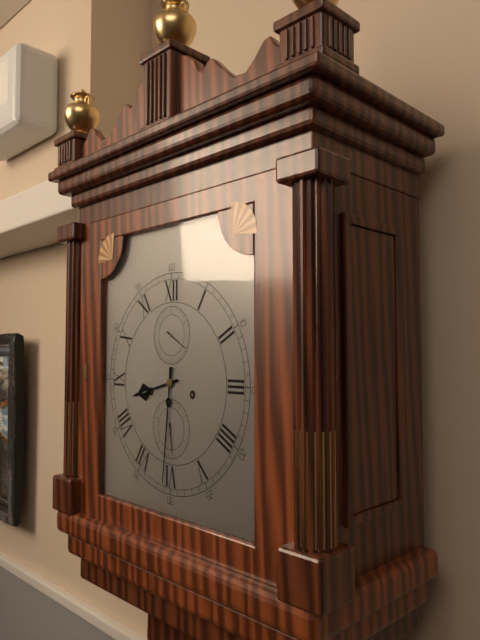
8:31
